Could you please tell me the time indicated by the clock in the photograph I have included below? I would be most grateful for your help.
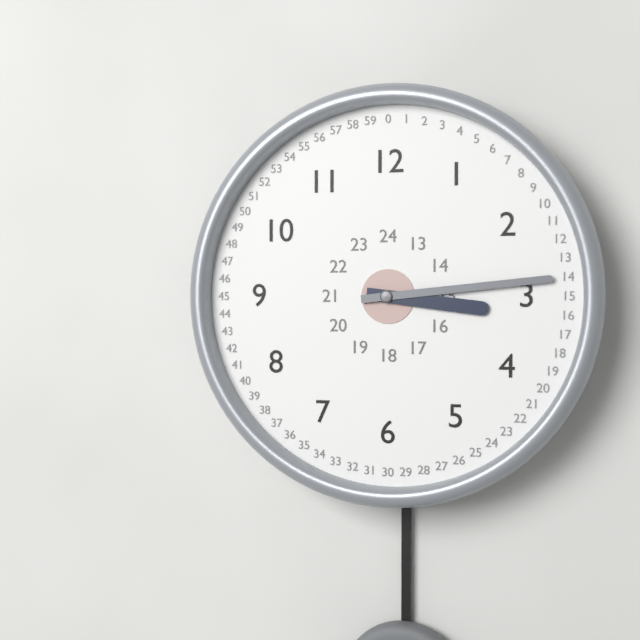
3:14
